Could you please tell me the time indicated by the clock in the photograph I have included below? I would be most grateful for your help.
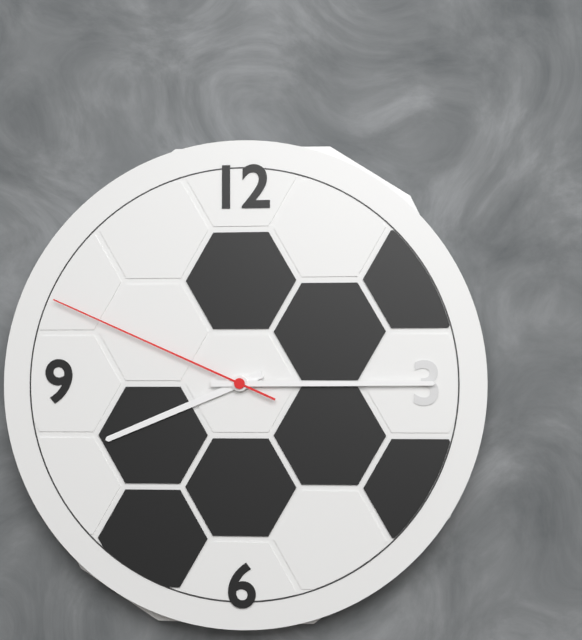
8:15:49
